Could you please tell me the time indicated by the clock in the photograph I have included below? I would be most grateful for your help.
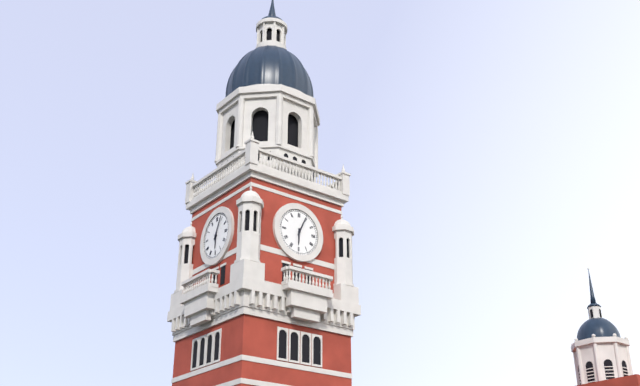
6:04
